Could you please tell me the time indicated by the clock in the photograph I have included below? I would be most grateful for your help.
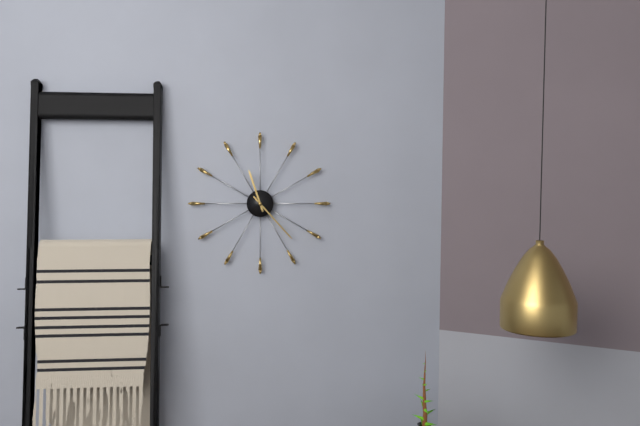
11:23
